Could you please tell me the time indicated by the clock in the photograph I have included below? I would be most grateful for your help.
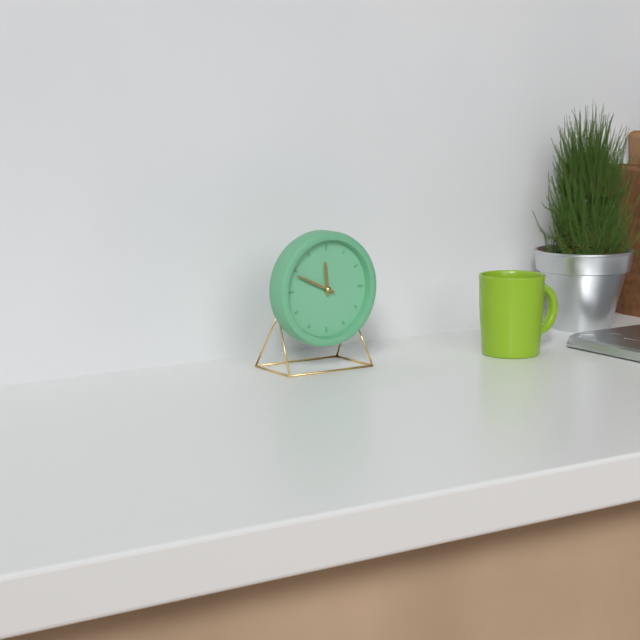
11:49
